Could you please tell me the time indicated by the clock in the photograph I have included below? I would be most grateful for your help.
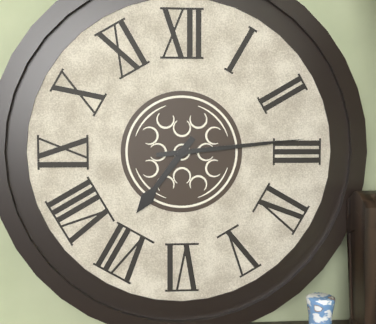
7:14
